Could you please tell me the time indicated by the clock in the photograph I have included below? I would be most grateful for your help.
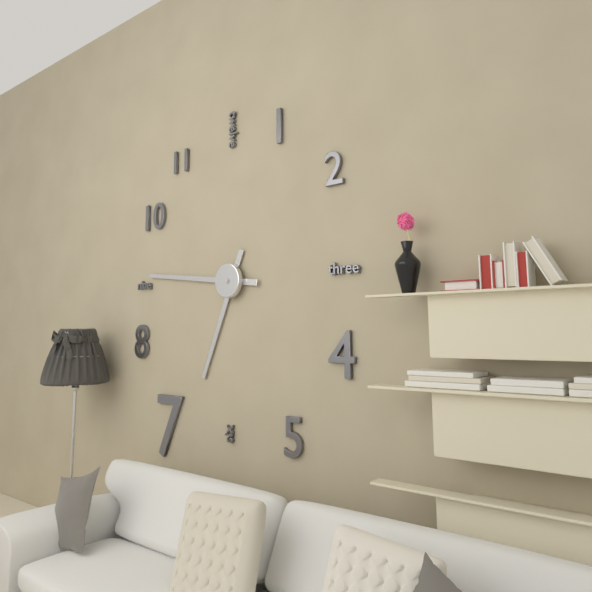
6:46
